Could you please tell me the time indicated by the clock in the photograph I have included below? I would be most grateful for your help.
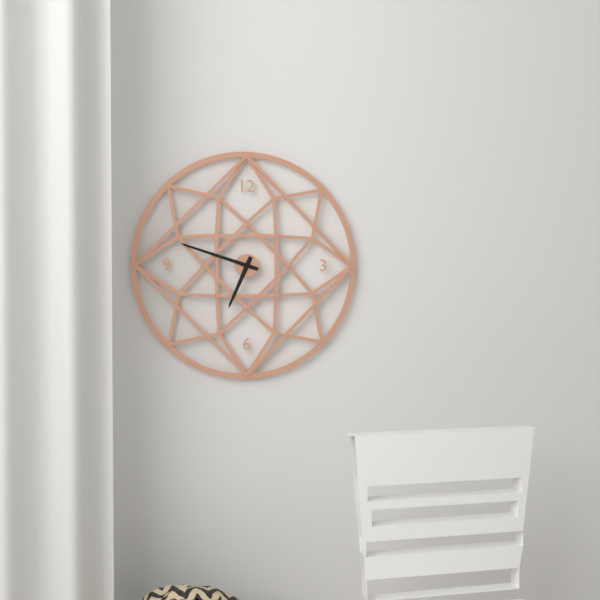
6:48
